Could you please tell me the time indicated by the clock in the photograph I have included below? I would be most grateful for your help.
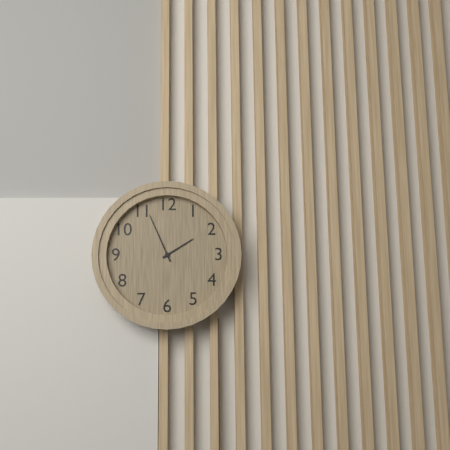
1:56
